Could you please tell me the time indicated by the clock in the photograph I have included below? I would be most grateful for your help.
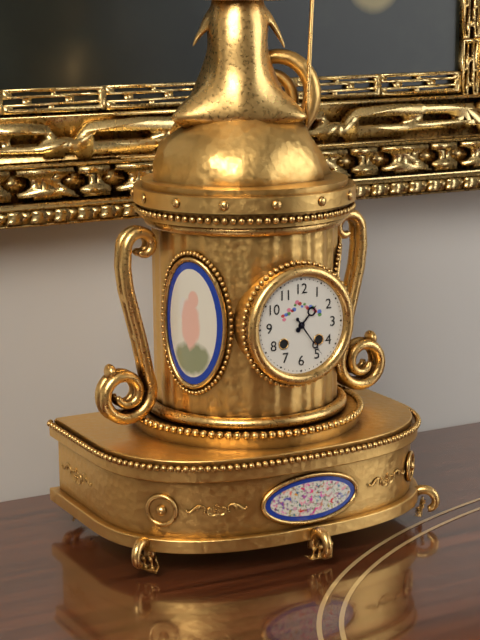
1:24
